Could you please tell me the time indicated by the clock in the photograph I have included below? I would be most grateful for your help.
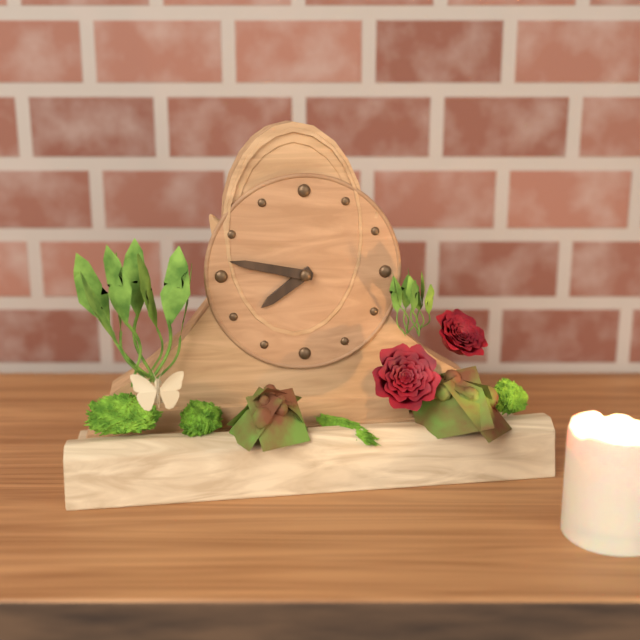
7:47
